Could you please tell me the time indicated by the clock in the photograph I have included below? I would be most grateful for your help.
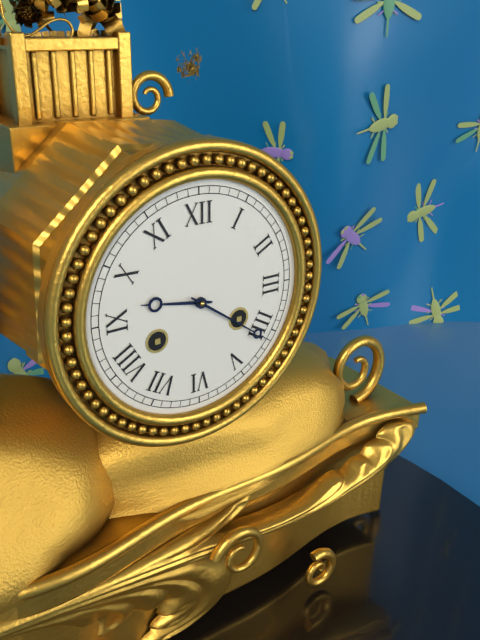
9:21
